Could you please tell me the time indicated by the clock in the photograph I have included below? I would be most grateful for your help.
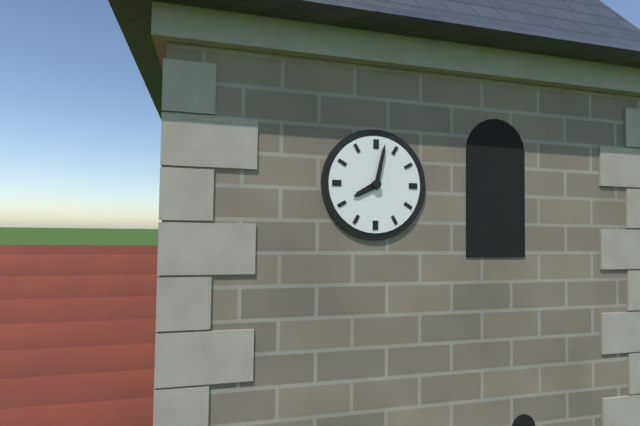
8:02
